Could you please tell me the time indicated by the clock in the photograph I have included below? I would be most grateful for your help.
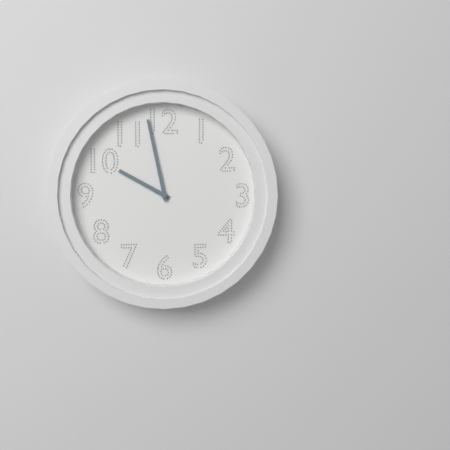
9:58
